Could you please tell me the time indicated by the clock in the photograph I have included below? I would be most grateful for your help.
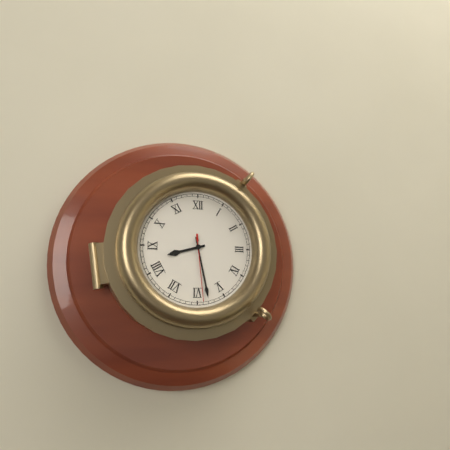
8:28:29
